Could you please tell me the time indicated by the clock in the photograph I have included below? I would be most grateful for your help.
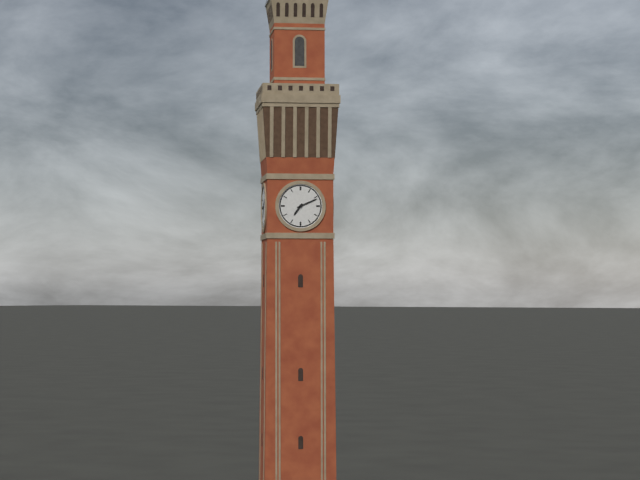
7:11
